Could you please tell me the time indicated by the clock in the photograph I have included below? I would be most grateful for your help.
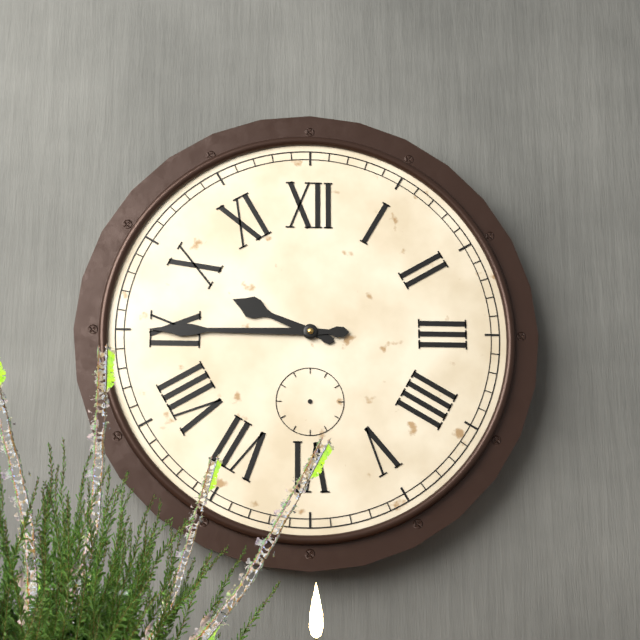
9:45
